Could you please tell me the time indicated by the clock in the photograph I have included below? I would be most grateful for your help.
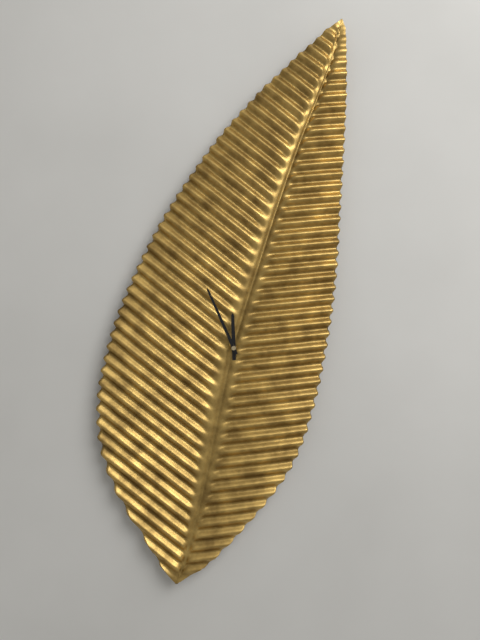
11:56
